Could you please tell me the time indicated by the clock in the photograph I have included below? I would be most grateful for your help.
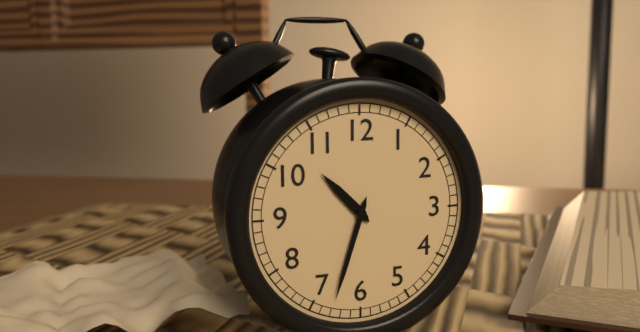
10:33
